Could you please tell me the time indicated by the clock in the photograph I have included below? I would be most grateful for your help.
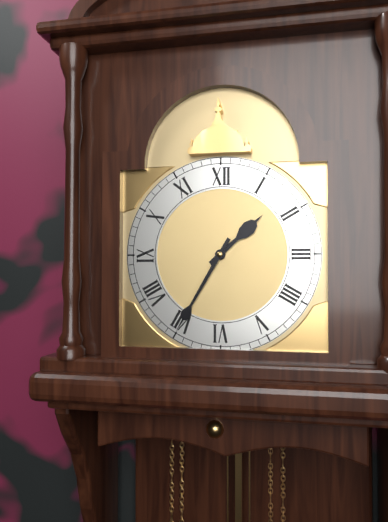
1:35
